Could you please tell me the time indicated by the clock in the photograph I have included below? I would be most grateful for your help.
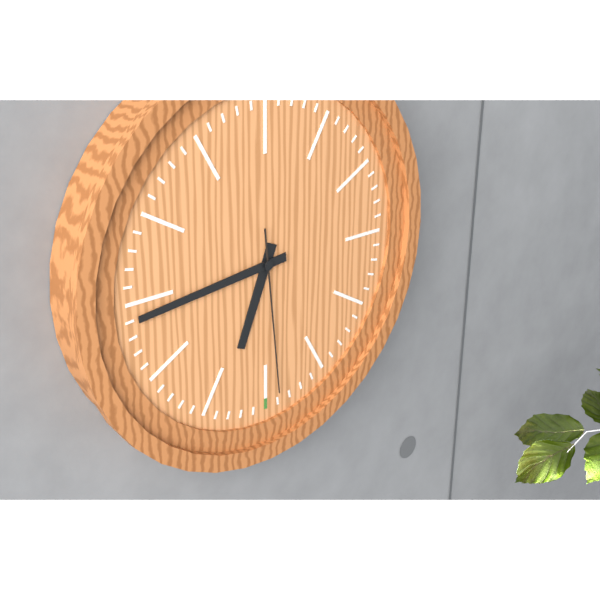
6:44:29
